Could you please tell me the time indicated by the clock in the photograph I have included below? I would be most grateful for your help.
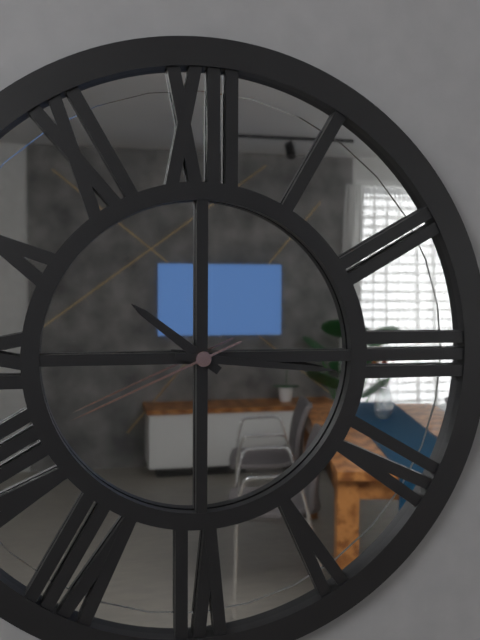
10:16:41
